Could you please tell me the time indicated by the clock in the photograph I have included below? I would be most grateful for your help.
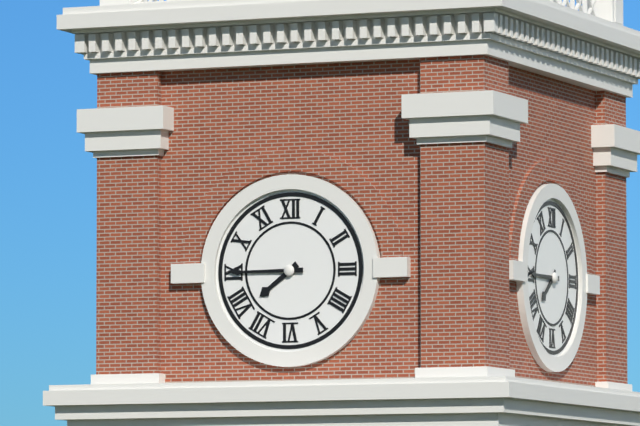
7:45
